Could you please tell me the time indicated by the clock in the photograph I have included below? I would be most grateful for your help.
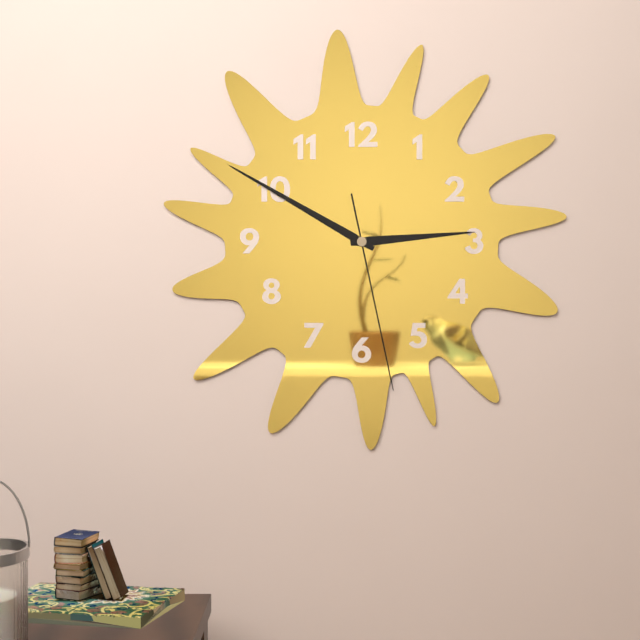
2:50:28
